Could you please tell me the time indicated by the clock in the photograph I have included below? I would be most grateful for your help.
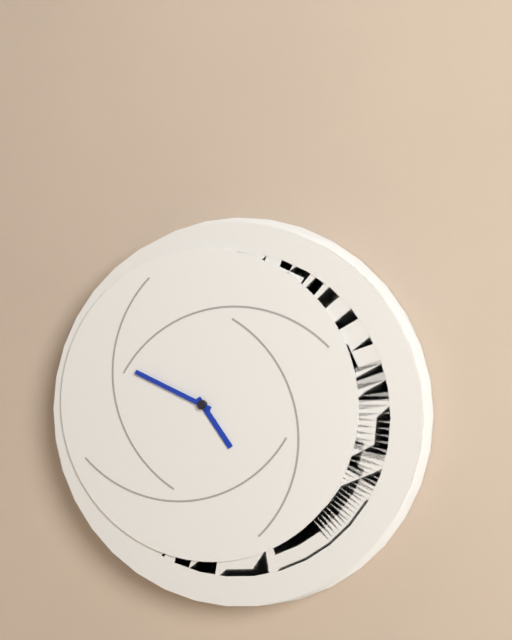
4:49
